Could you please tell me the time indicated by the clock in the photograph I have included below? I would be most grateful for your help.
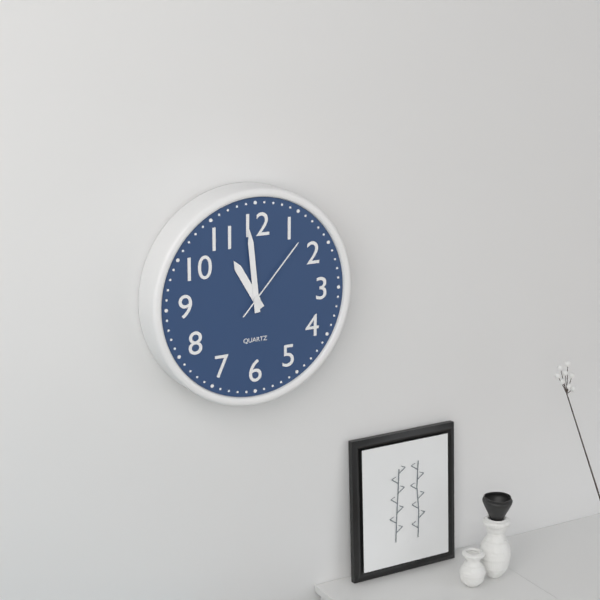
10:59:07
